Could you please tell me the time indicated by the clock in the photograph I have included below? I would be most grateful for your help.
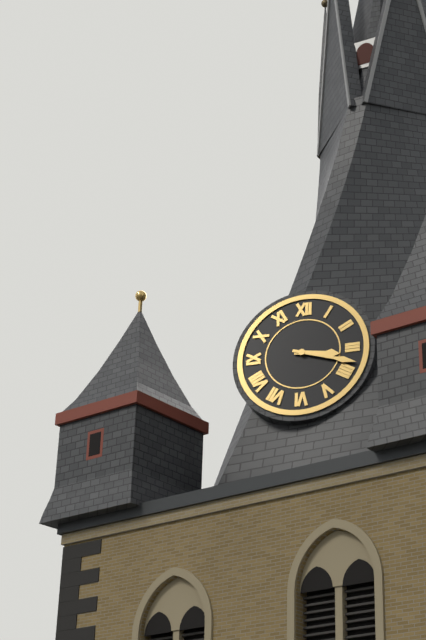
3:18
